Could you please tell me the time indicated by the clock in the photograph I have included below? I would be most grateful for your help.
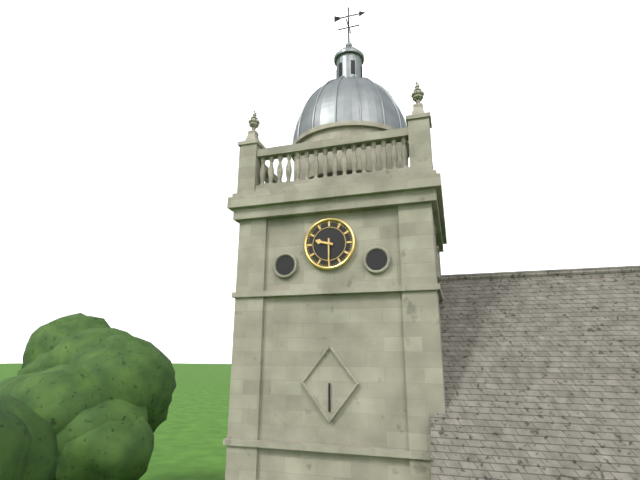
9:30
